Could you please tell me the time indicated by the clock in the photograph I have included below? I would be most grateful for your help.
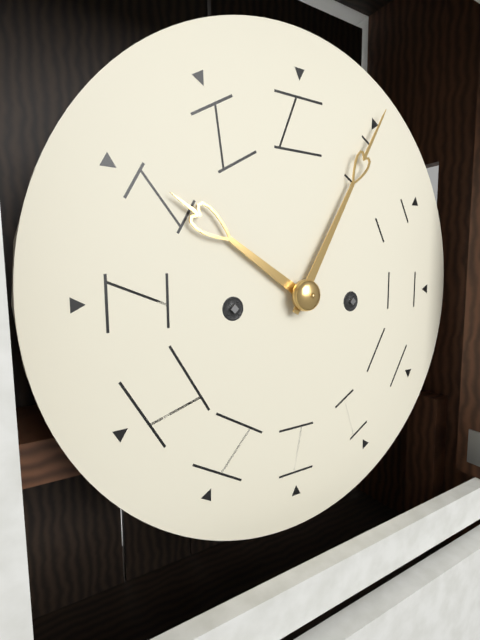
10:05
